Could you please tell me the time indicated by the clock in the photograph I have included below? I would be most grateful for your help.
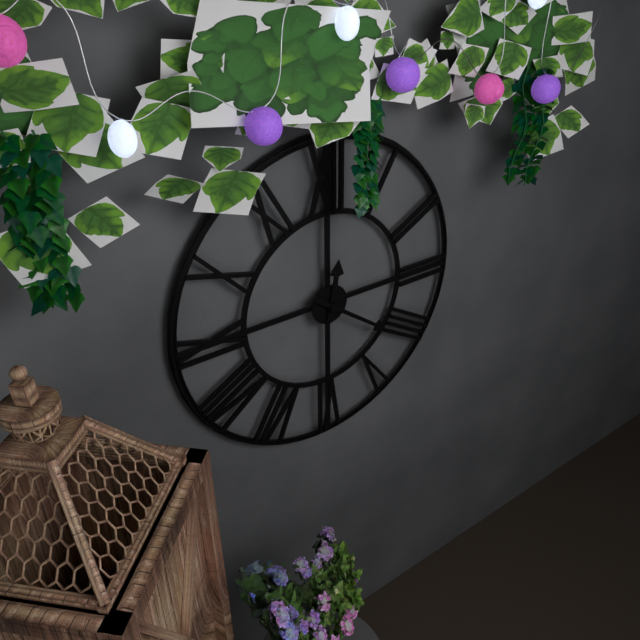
12:21
